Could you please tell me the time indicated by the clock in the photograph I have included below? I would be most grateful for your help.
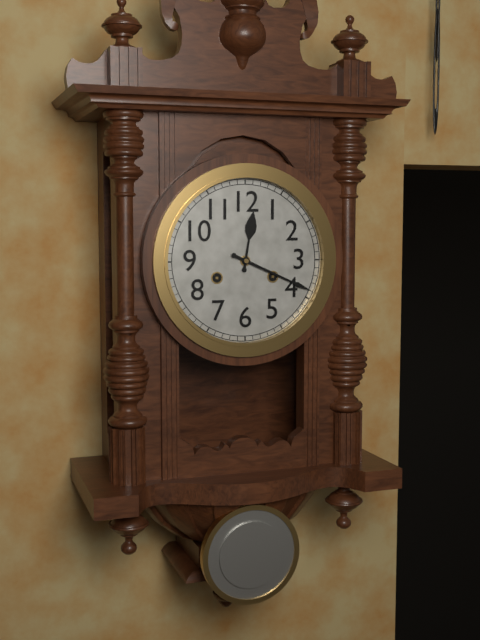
12:19
